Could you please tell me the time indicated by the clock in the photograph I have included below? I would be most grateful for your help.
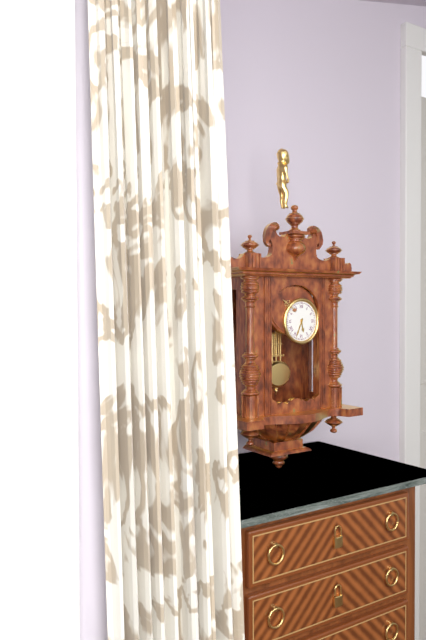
5:34
